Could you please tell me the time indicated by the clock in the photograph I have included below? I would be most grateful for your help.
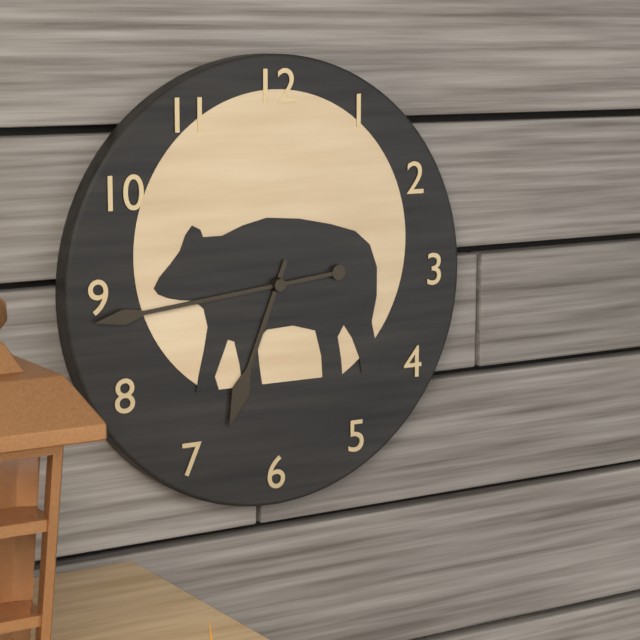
6:44
